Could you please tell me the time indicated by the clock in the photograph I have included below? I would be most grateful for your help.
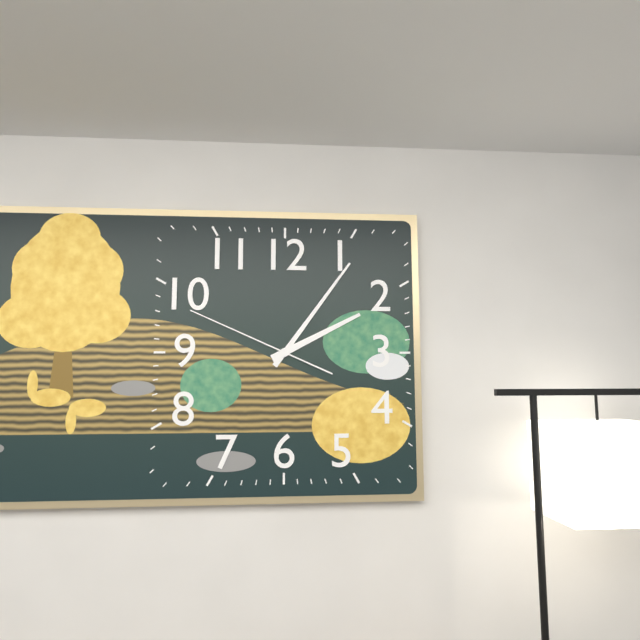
2:06:49
